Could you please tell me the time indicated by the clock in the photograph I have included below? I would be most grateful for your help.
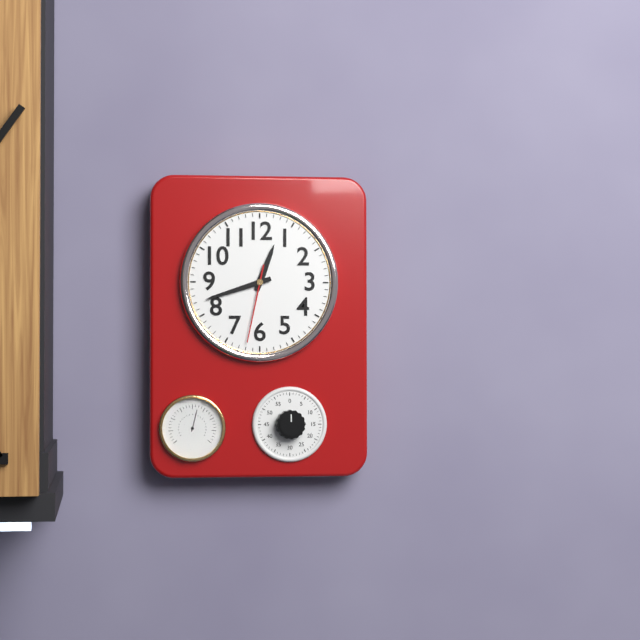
12:42:32
